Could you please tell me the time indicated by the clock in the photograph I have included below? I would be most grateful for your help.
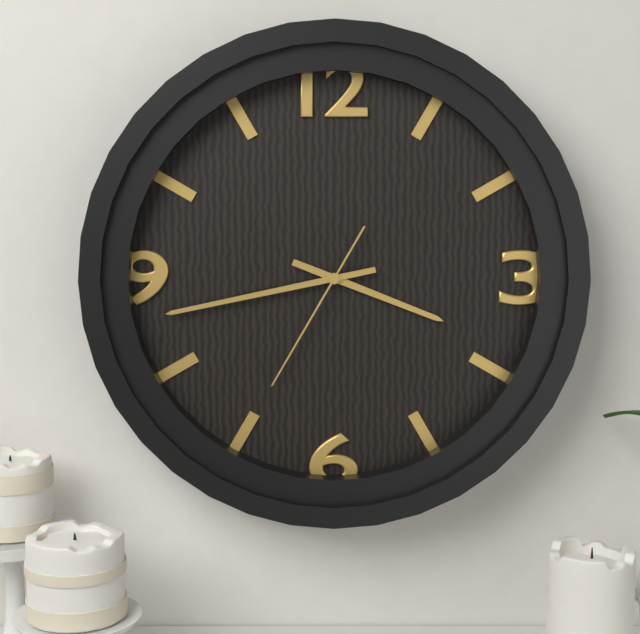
3:43:35
